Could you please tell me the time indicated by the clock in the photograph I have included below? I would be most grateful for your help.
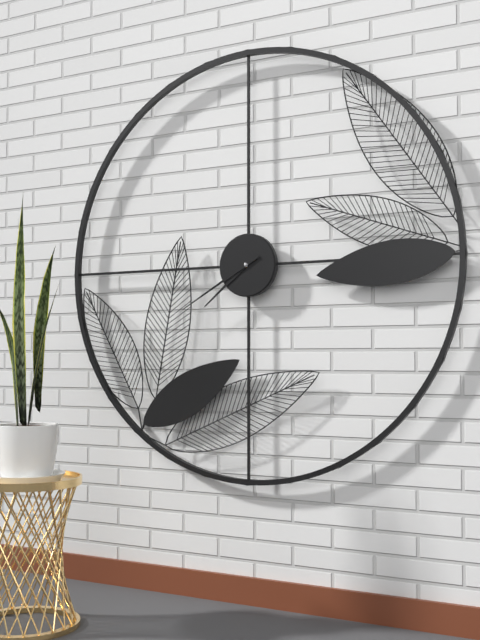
7:40
